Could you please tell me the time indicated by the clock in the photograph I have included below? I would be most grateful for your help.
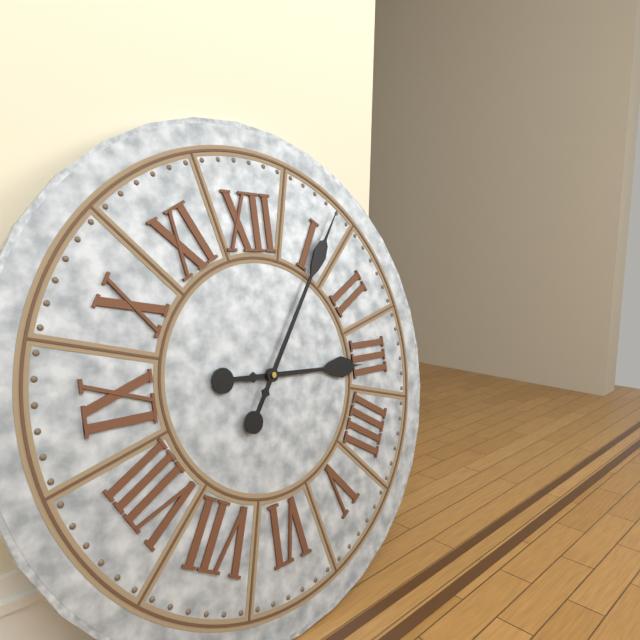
3:06
